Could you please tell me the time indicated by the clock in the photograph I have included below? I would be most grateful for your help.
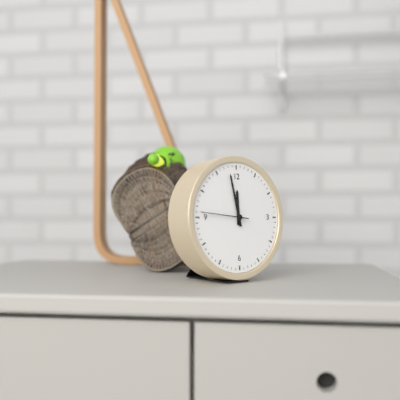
11:58
